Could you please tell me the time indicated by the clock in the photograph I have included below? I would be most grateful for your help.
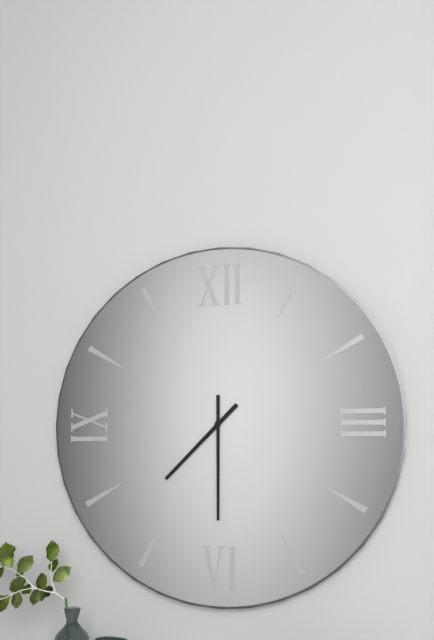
7:30
